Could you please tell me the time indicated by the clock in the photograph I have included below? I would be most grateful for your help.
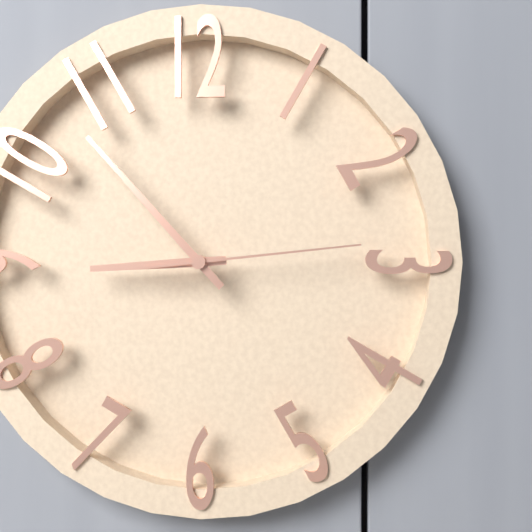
8:53:14
